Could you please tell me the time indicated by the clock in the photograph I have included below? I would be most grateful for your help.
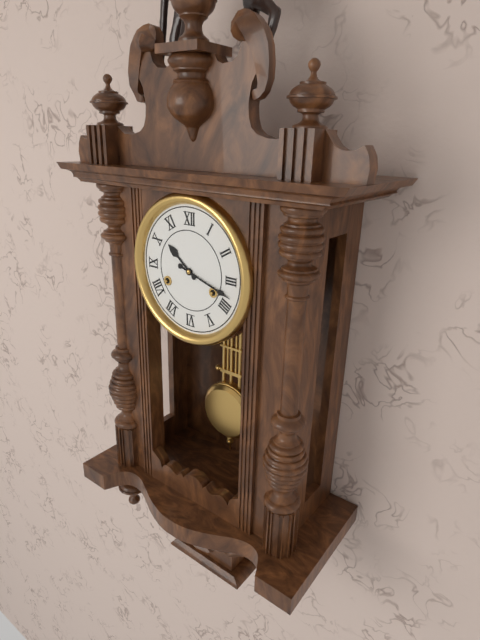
10:18
